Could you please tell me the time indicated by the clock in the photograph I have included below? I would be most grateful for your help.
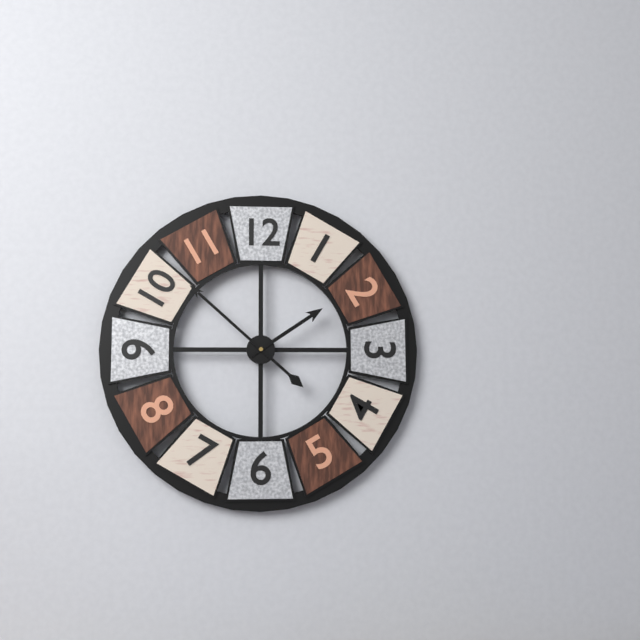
1:52
